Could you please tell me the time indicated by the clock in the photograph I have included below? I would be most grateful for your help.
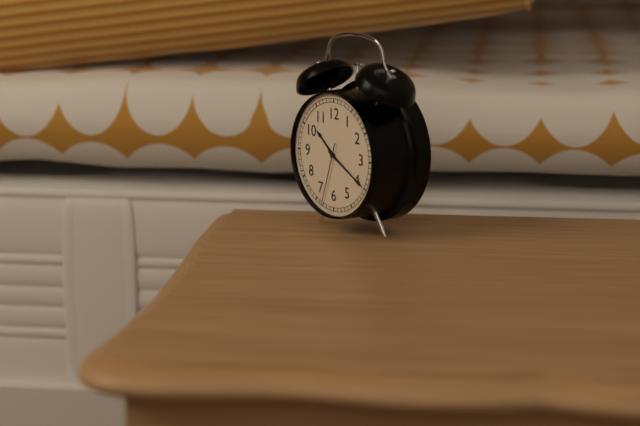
10:20:33
